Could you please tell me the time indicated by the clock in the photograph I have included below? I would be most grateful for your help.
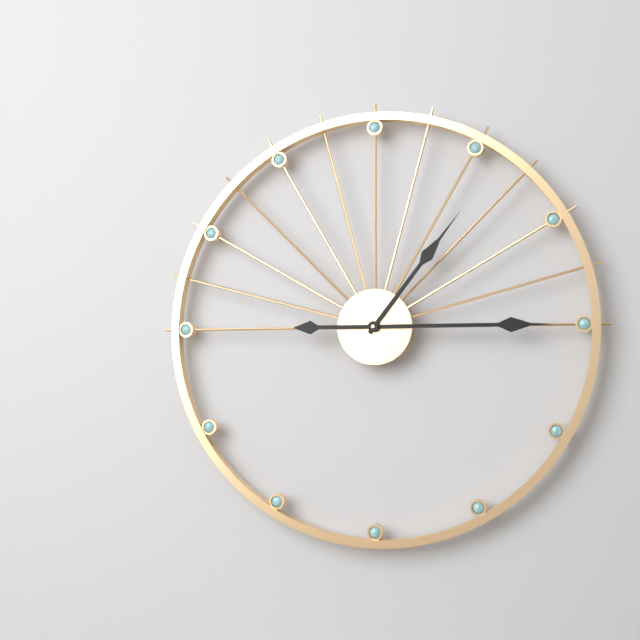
1:15
